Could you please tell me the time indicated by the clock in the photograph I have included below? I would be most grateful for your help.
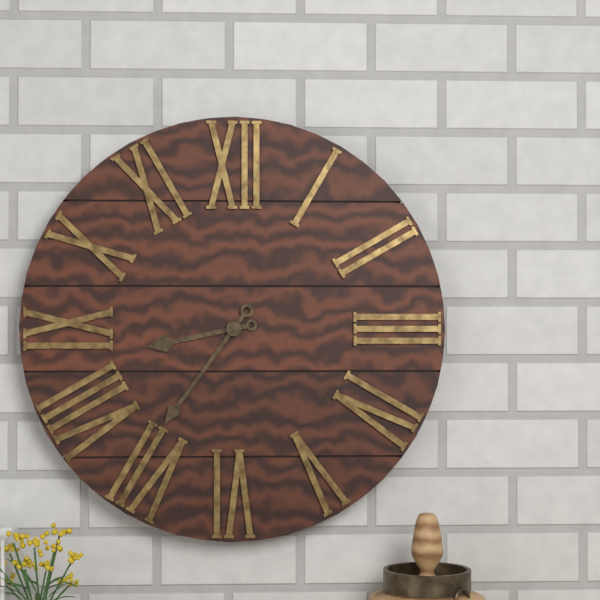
8:36
